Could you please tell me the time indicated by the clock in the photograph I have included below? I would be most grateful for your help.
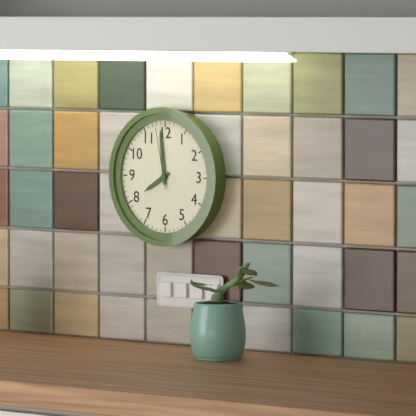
7:59:58
